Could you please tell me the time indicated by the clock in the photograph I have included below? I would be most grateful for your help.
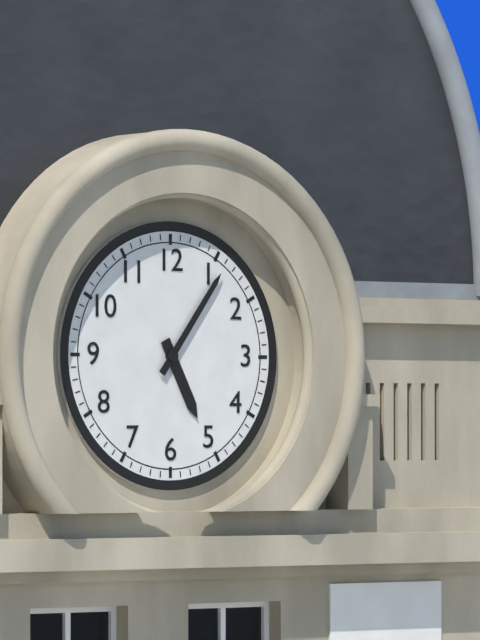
5:06
